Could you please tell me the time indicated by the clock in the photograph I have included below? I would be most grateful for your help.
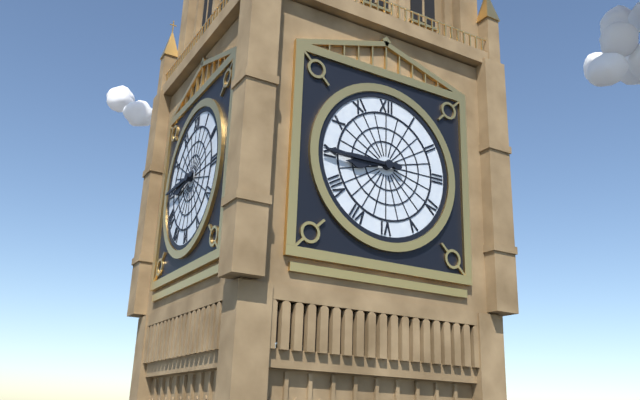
8:45
